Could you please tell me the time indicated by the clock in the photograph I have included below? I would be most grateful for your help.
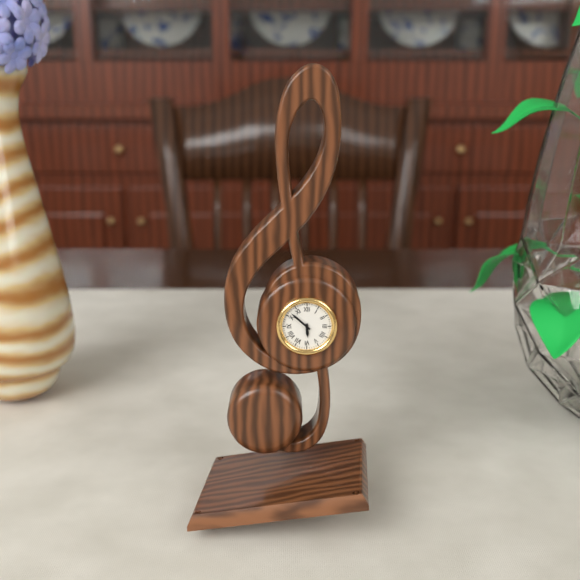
5:52
